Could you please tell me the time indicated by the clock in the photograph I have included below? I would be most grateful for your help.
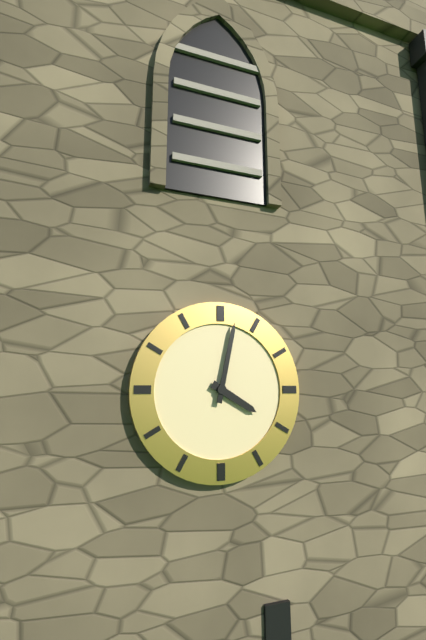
4:02
